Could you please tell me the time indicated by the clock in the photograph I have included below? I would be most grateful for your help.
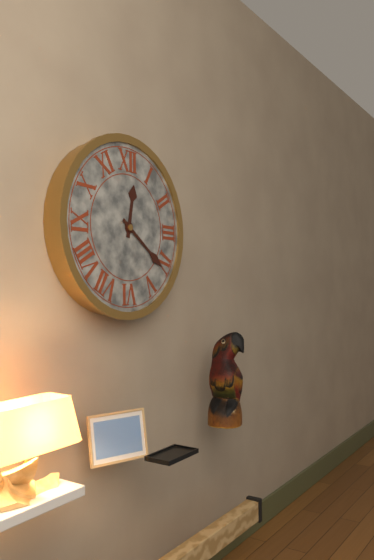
12:21
